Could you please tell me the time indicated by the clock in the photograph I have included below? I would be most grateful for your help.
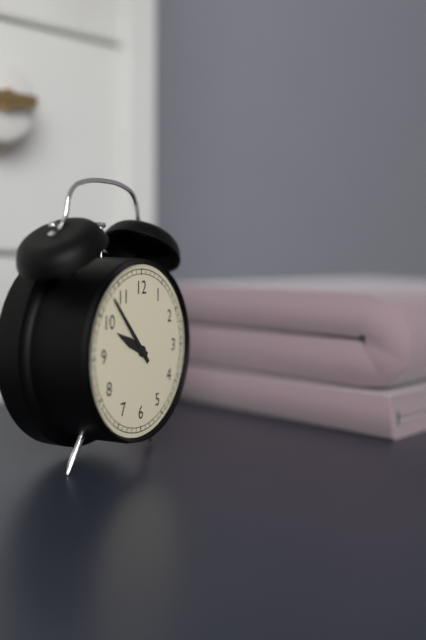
9:53
